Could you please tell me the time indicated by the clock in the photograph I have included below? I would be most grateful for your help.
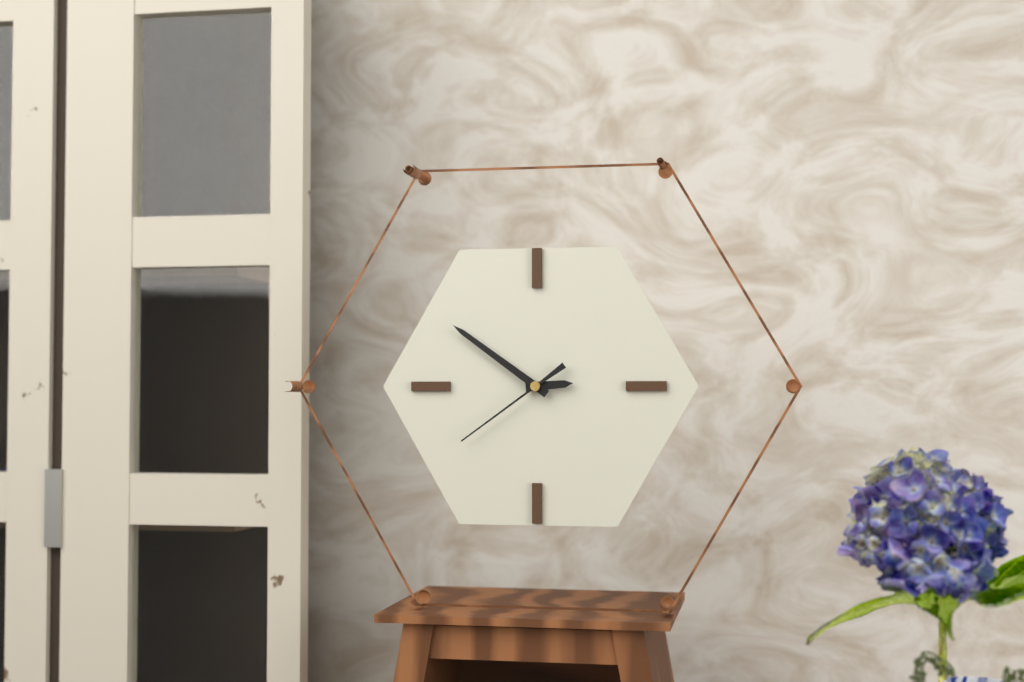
2:51:39
